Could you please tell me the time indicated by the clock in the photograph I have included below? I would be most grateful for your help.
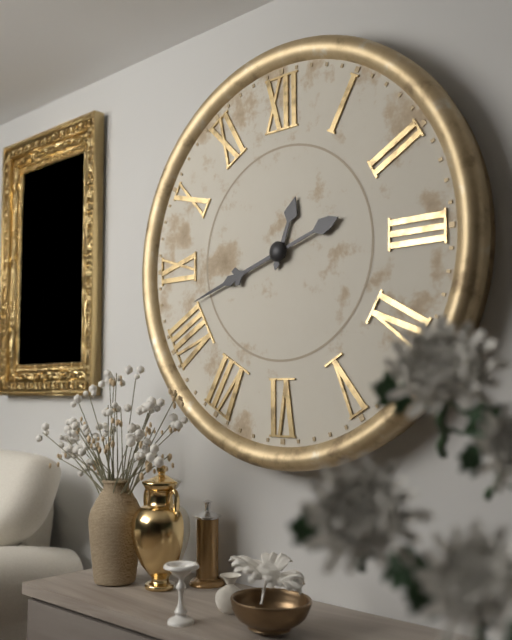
12:42
